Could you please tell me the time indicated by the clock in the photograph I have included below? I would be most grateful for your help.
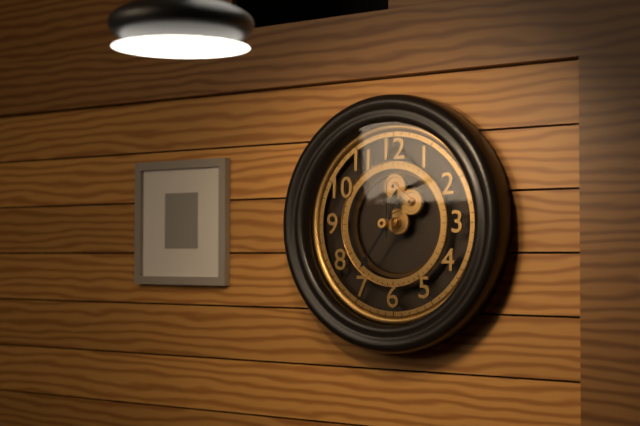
12:36:00
